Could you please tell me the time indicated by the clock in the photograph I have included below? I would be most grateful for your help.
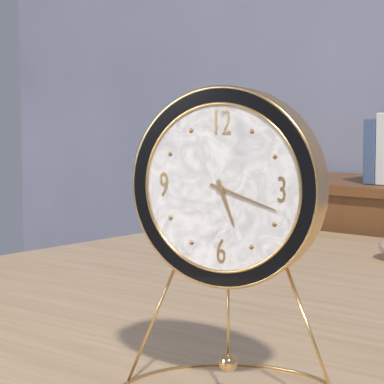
5:18
